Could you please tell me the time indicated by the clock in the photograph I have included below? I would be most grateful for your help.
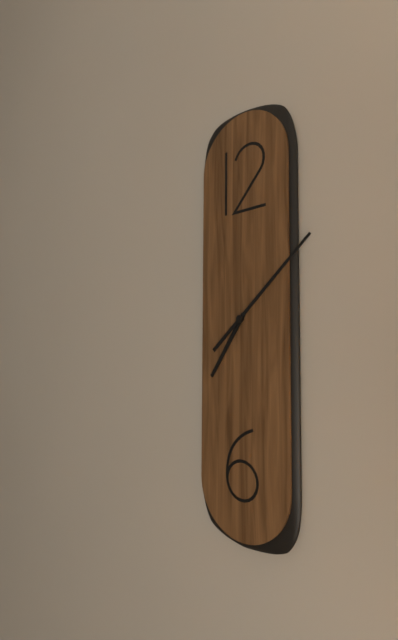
7:08
